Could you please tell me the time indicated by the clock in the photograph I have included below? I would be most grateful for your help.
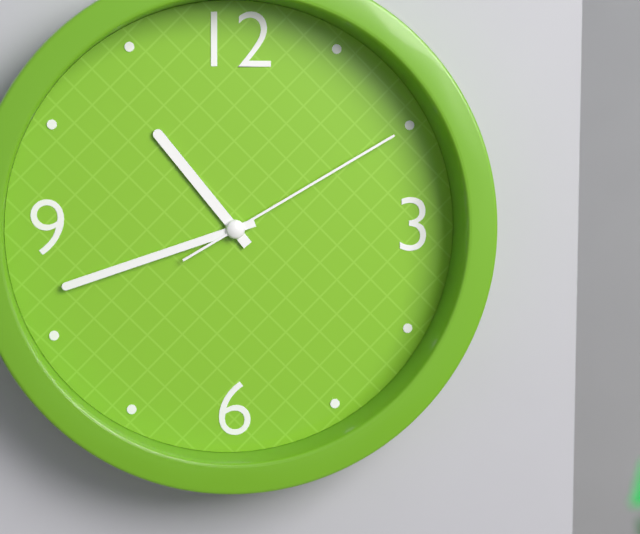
10:42:10
